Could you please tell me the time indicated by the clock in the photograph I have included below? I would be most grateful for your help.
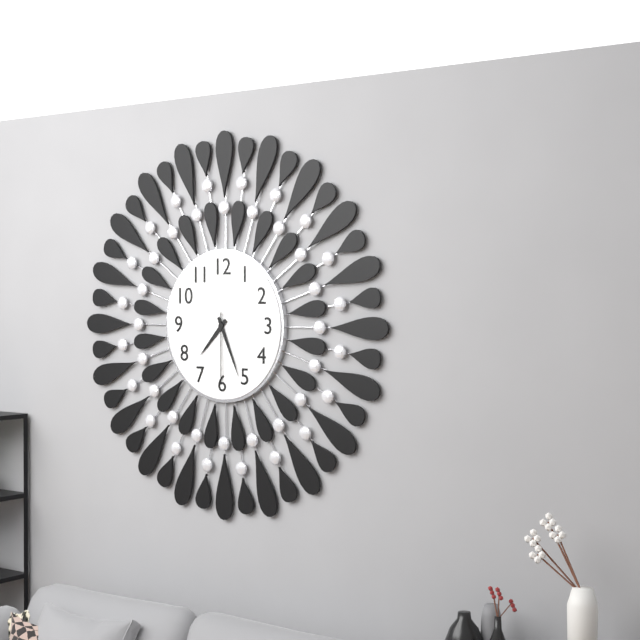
7:26:30
